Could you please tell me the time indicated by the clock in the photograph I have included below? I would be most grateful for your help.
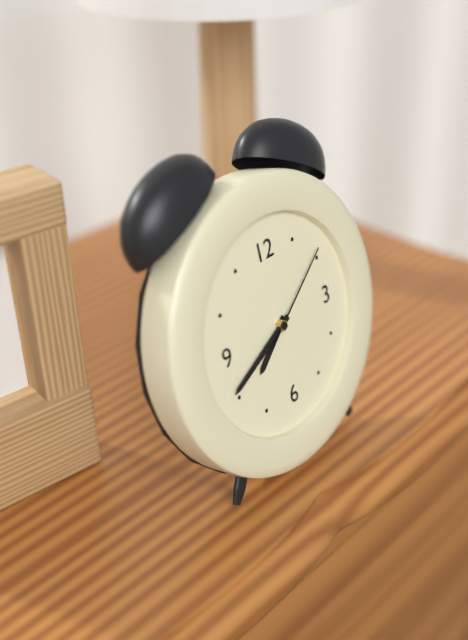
7:41:09
